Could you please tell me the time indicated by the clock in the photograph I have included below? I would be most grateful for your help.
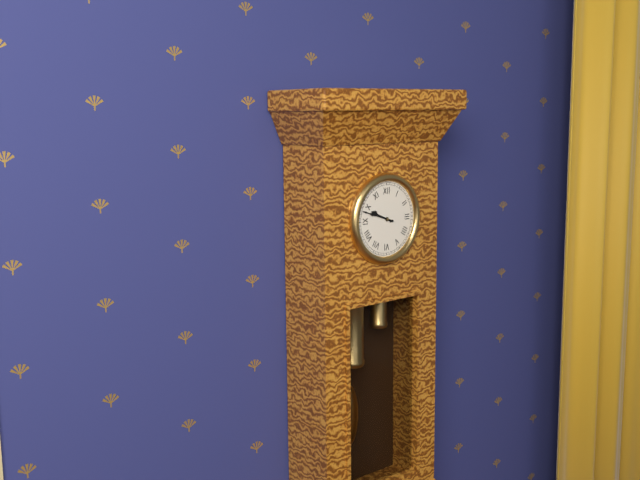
9:48
